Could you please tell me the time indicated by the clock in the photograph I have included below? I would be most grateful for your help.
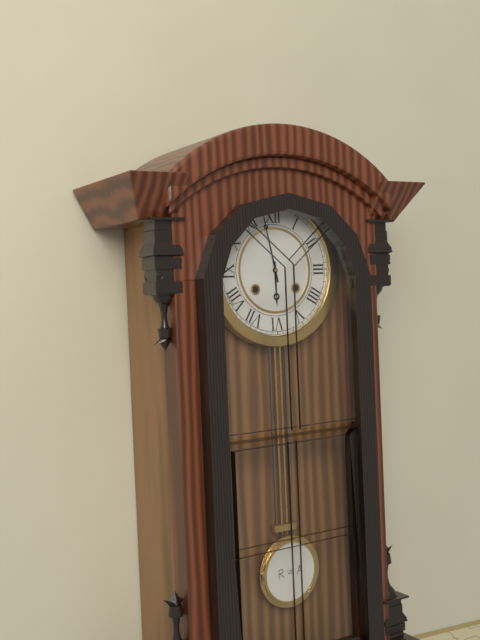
5:58
